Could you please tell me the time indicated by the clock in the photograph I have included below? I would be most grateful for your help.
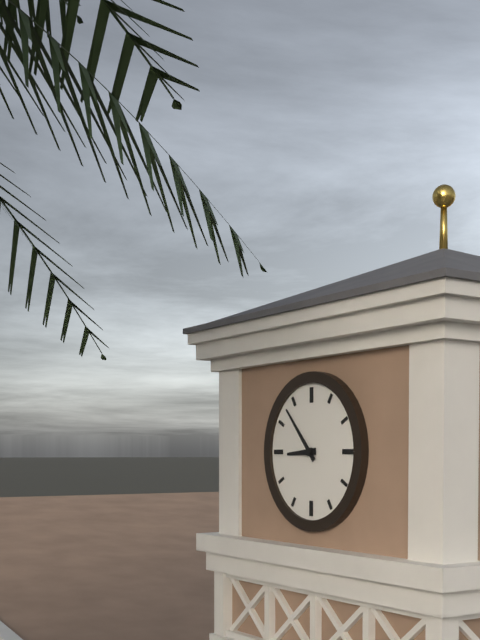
8:53
